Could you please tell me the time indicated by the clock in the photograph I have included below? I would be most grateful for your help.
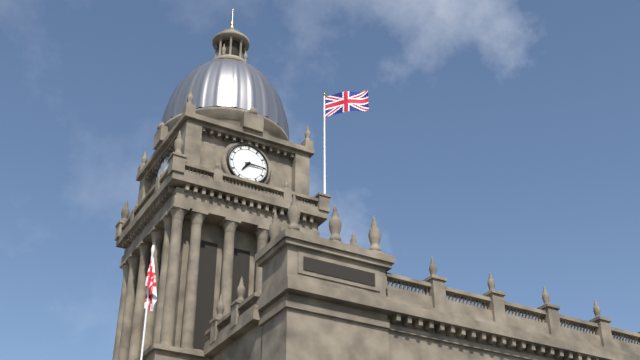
7:15
